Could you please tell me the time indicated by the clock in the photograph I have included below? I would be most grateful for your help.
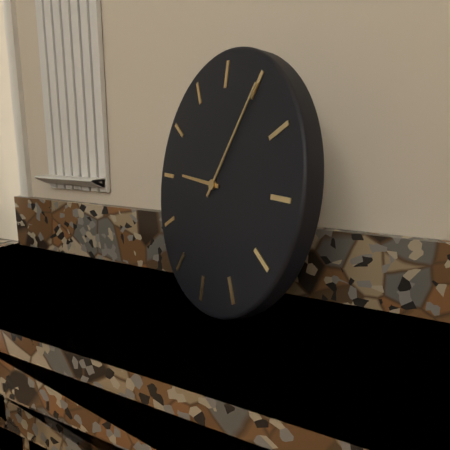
9:05
